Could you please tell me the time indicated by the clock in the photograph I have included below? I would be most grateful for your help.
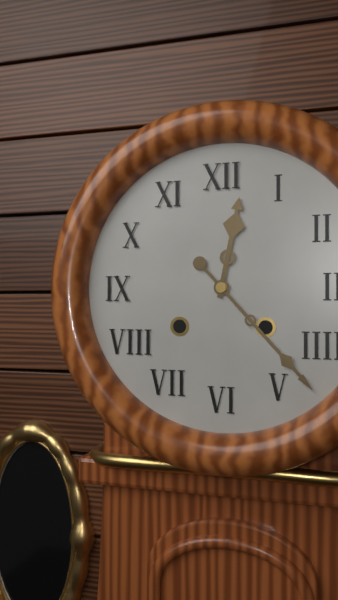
12:23
